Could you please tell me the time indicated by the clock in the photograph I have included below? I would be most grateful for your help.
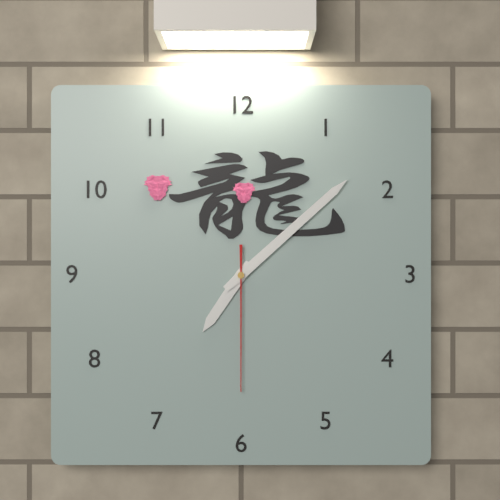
7:08:30
